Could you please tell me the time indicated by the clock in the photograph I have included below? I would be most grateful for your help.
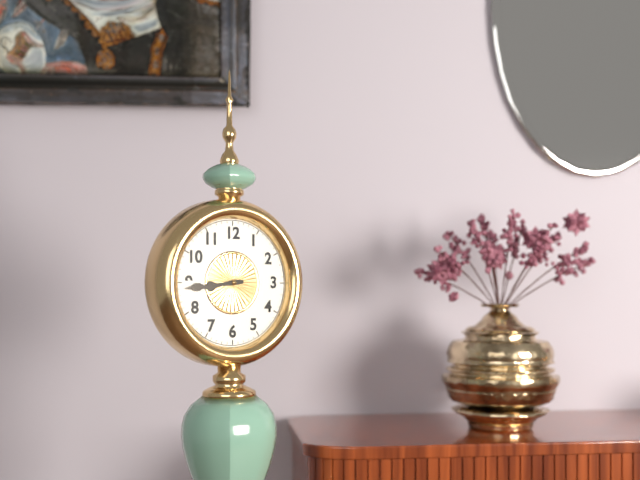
8:44
